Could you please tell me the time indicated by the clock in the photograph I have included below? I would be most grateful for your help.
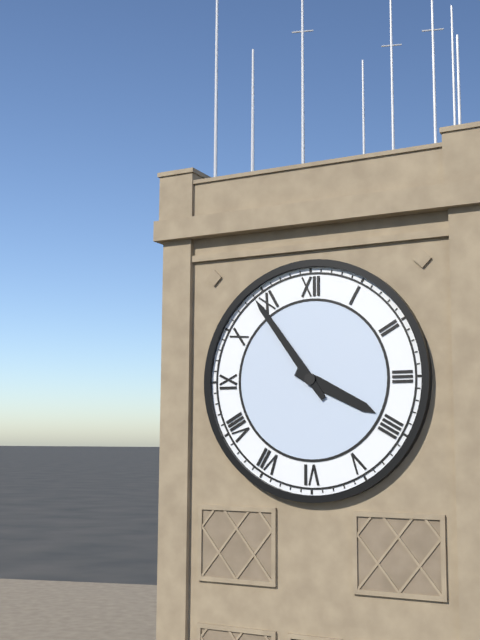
3:54
